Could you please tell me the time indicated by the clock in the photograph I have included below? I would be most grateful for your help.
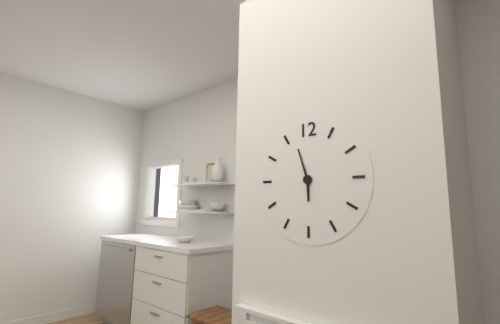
5:57
